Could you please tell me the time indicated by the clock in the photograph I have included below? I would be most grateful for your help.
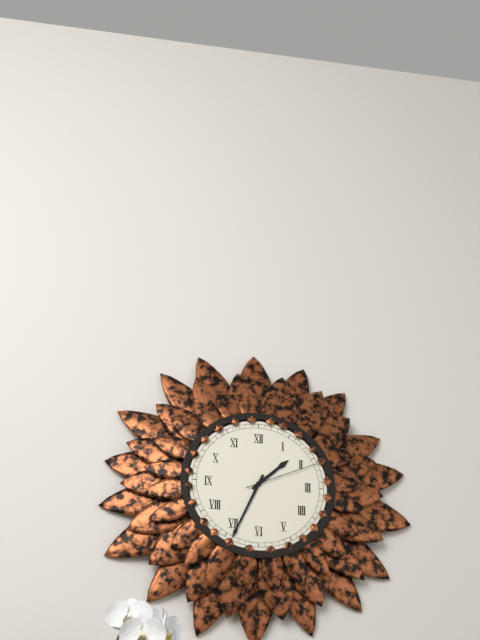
1:34:11
